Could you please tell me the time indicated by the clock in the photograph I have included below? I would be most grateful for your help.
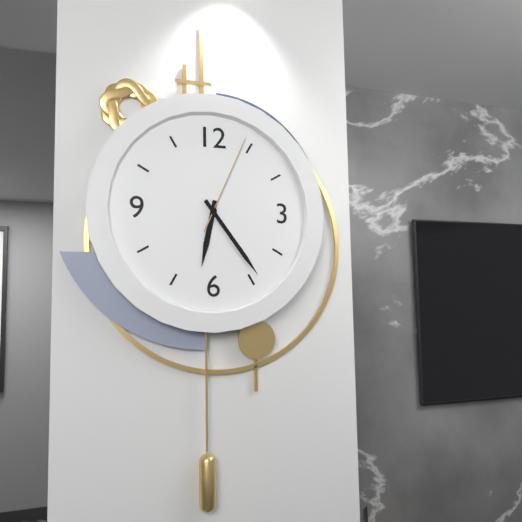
6:24:04
